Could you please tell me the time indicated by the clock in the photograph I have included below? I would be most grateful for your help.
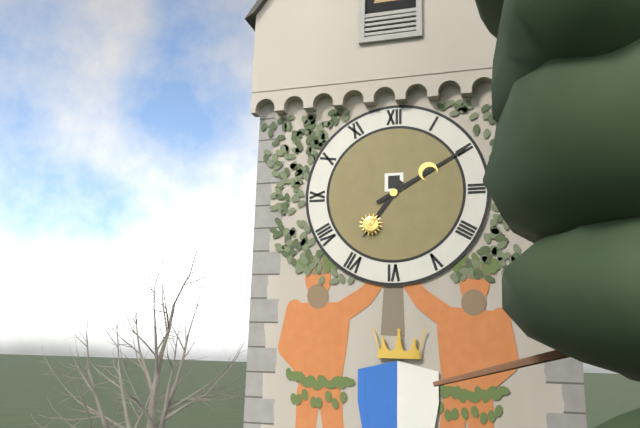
7:10
